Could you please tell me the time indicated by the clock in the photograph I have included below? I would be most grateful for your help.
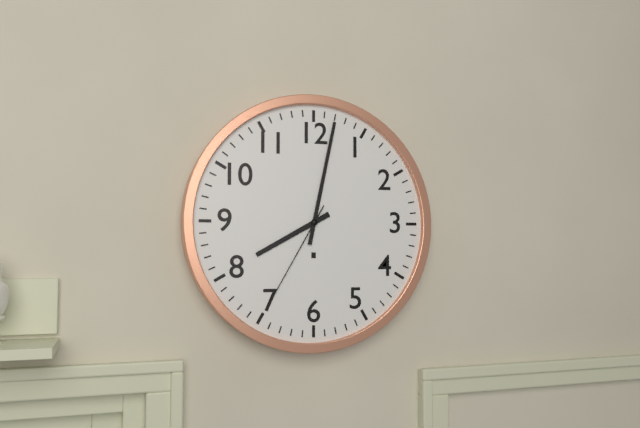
8:02:35
